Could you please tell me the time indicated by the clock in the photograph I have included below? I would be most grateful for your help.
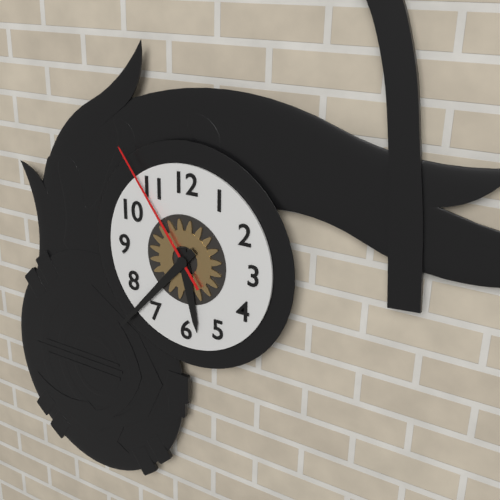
5:37:54
